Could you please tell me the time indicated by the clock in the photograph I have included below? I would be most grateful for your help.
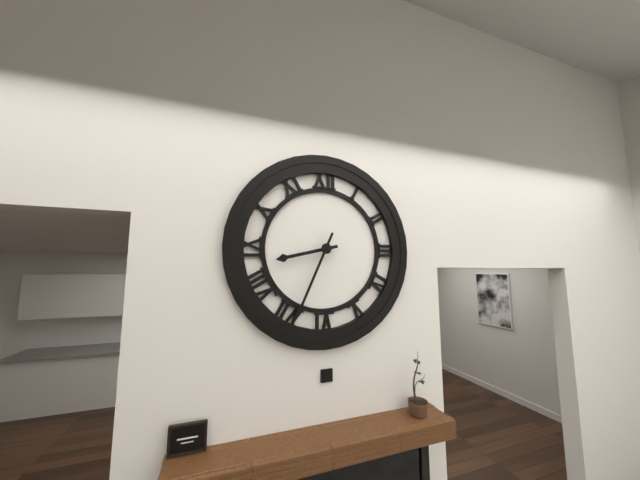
8:34
